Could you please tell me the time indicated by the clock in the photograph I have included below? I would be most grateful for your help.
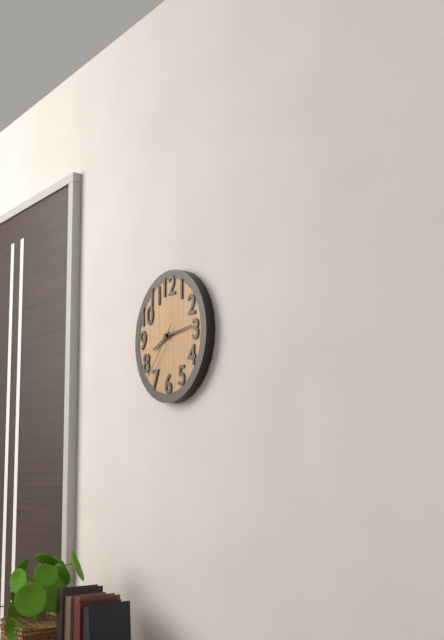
8:14:37
